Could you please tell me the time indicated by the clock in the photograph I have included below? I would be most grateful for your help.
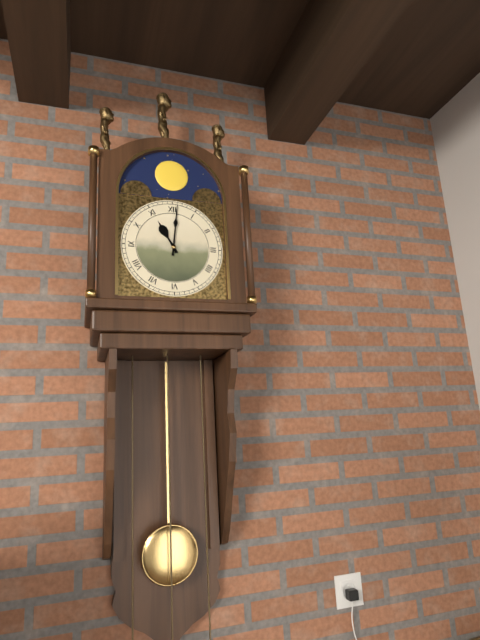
11:01
